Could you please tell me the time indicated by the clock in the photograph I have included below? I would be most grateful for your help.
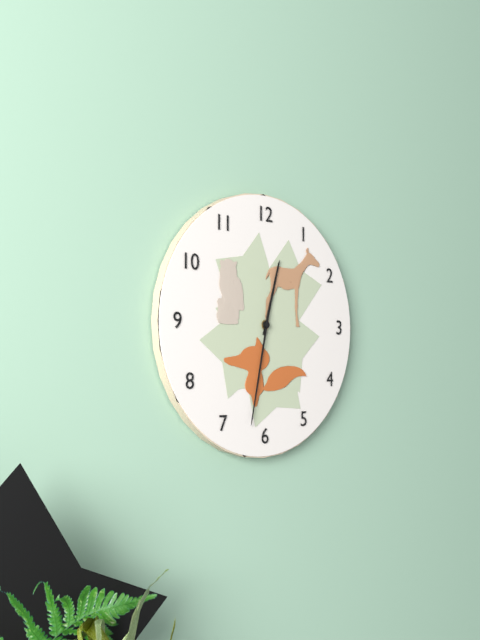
12:32
